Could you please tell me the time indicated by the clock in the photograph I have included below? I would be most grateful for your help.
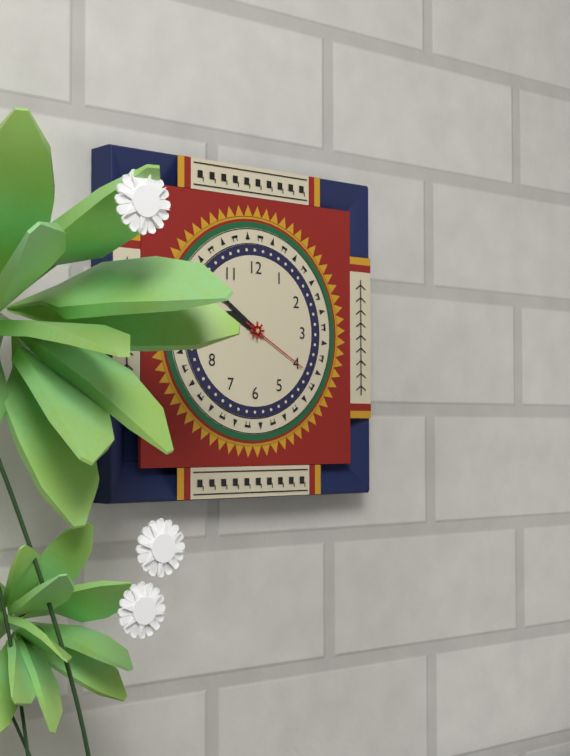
9:51:20
